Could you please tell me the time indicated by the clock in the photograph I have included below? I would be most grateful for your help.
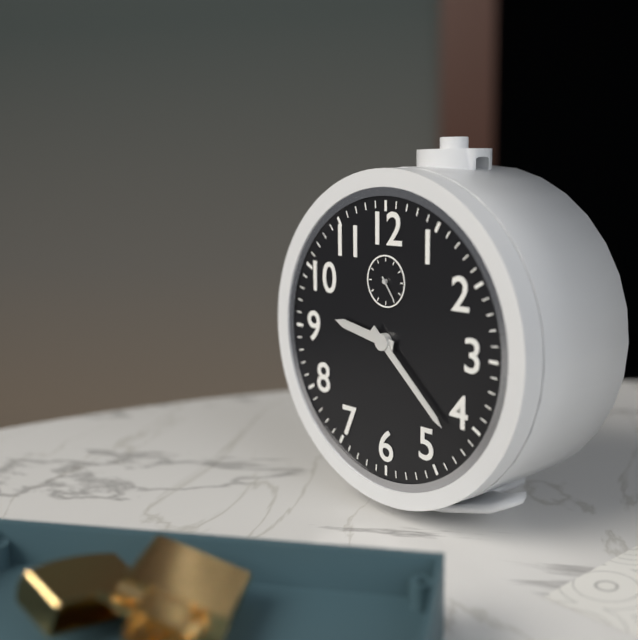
9:22
